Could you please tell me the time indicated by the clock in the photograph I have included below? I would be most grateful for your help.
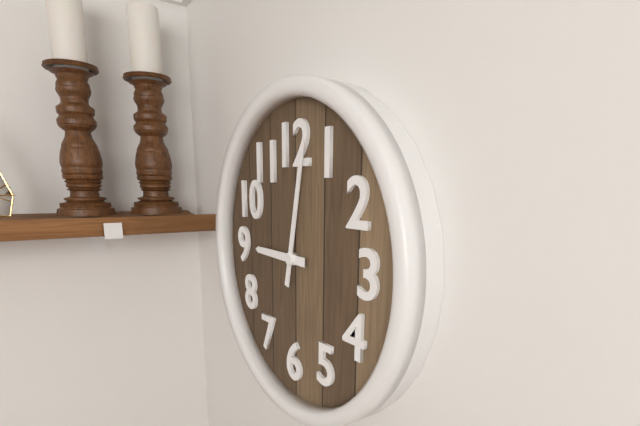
9:02
